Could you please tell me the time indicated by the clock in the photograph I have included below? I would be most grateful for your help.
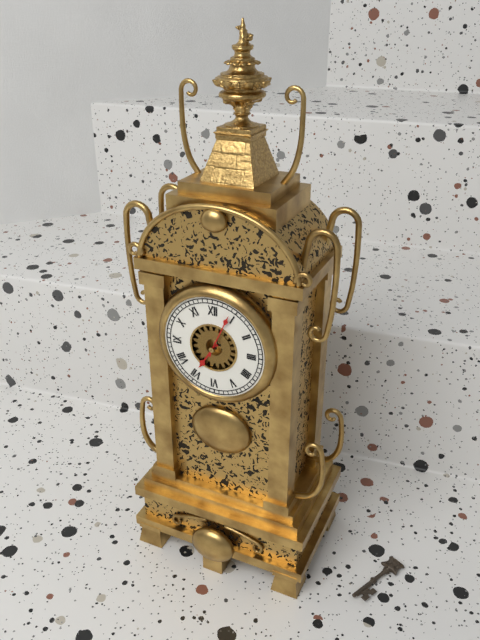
7:04
